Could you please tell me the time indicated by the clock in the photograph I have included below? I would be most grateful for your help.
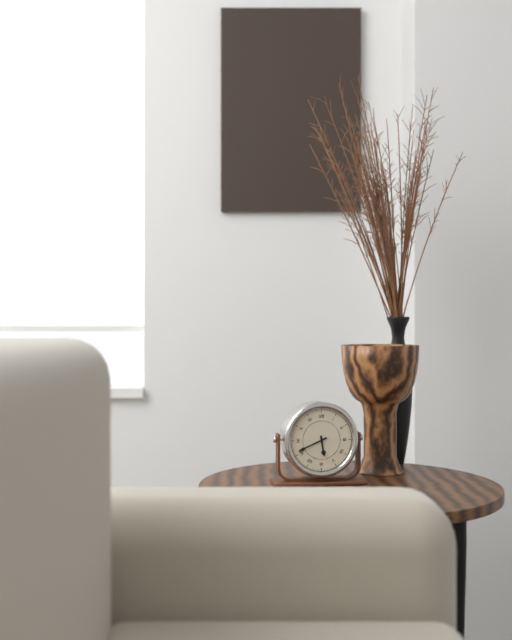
5:41
